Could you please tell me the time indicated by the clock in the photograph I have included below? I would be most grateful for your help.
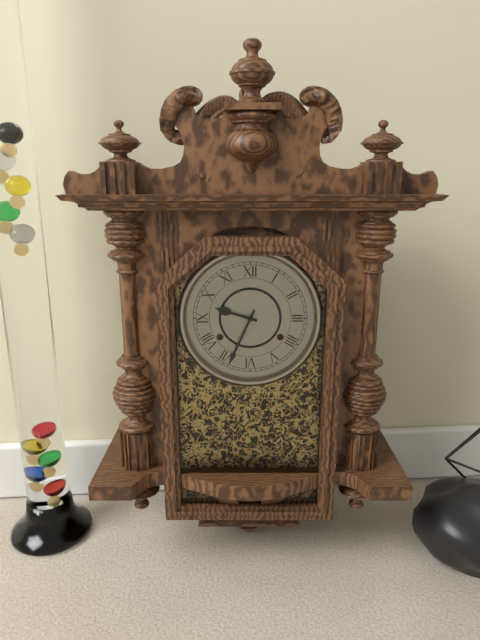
9:34
